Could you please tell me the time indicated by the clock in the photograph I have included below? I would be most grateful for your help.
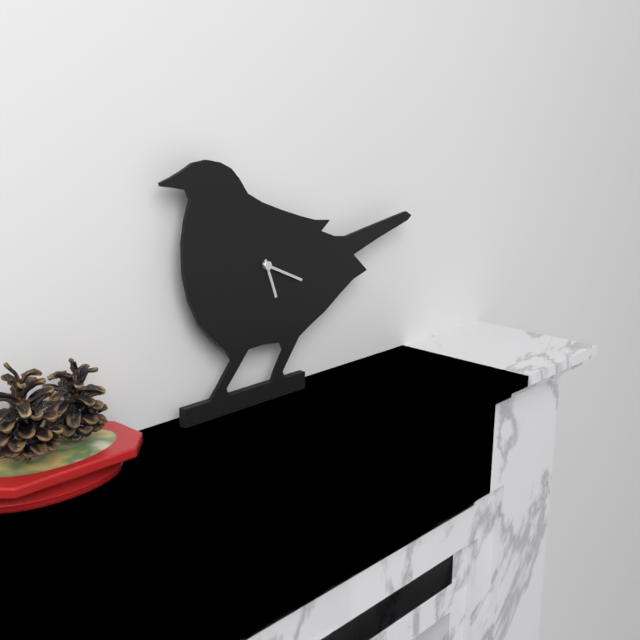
5:19
